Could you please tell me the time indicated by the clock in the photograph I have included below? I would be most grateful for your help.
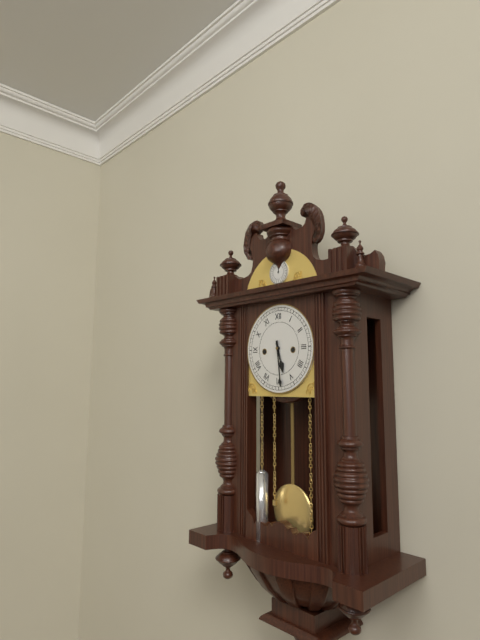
5:29
